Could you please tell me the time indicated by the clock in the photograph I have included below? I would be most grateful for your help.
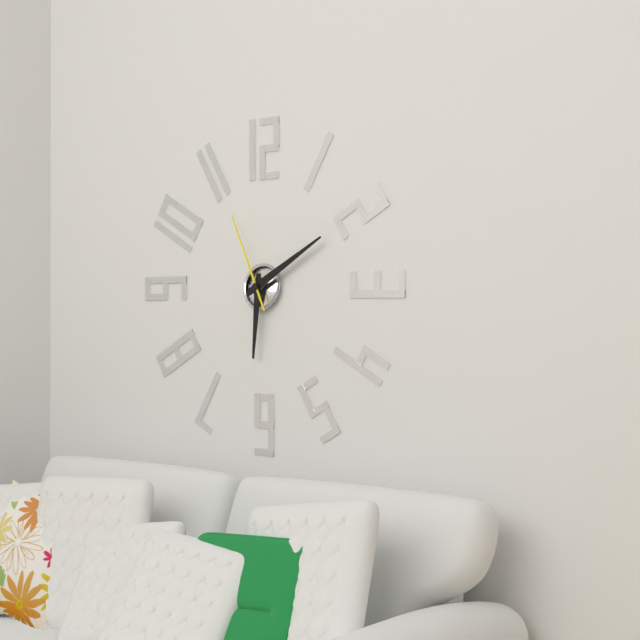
6:10:56
